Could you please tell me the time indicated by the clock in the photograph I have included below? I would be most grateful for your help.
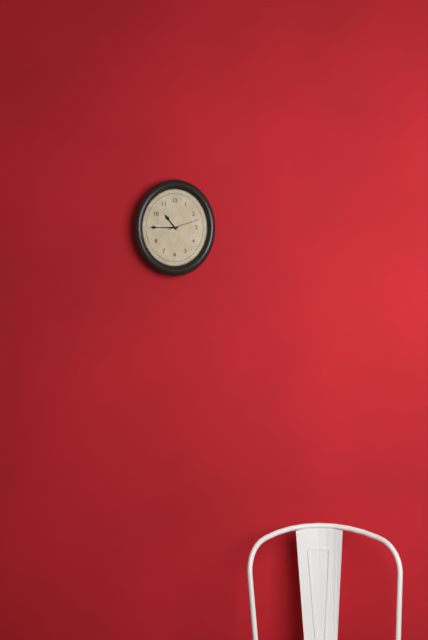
10:45
